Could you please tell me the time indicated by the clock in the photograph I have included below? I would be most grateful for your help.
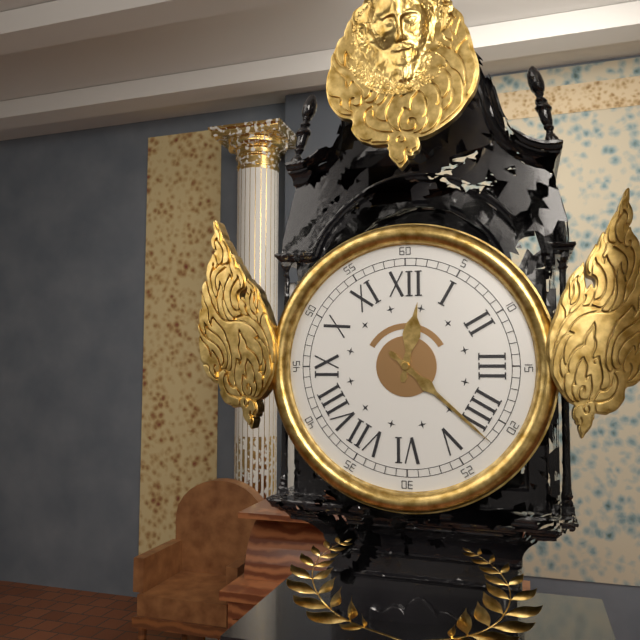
12:22
